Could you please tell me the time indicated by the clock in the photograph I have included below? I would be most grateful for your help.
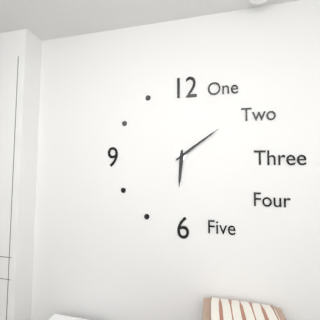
6:09
